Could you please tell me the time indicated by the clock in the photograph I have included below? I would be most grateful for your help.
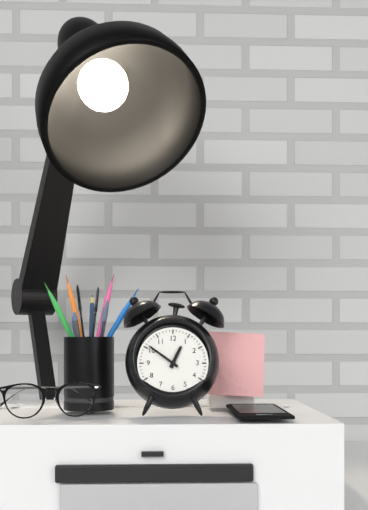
12:51
